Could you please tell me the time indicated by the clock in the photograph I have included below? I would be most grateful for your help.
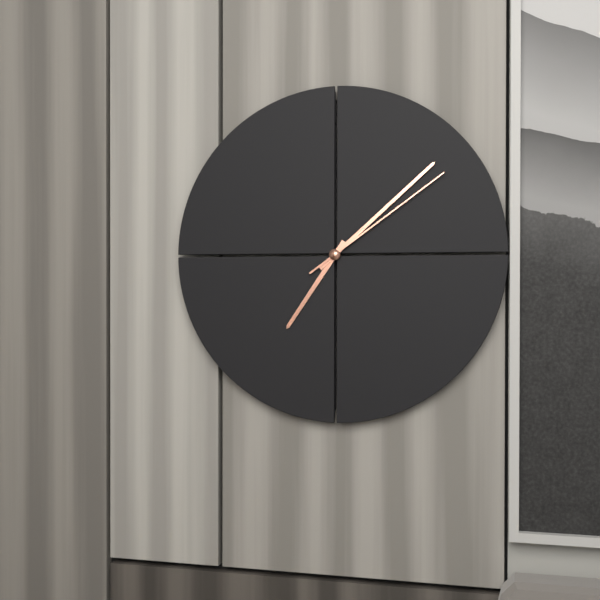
7:08:09
